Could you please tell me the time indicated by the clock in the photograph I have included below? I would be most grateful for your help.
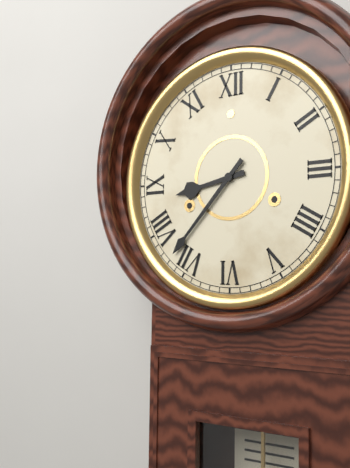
8:37
